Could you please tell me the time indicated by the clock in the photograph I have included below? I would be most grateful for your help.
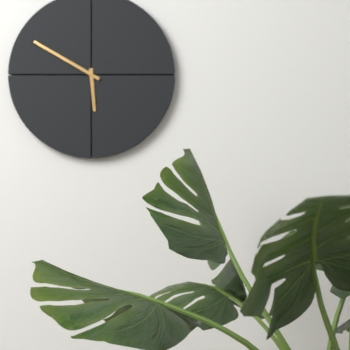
5:50
